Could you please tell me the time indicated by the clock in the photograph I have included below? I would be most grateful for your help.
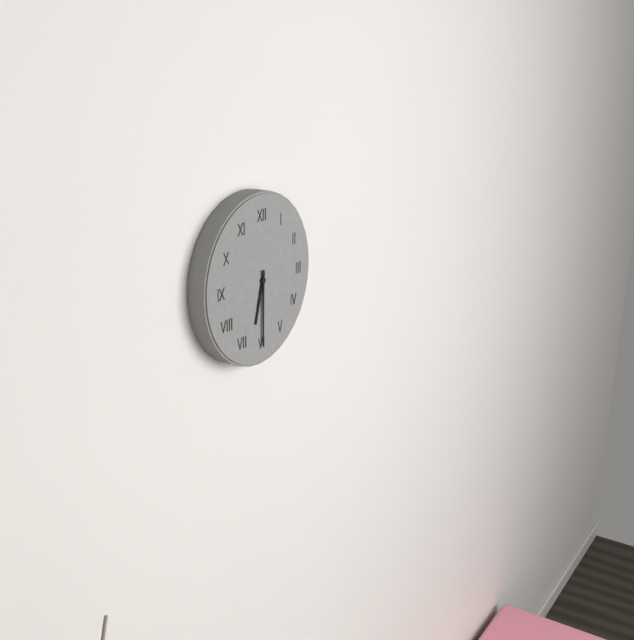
6:30
